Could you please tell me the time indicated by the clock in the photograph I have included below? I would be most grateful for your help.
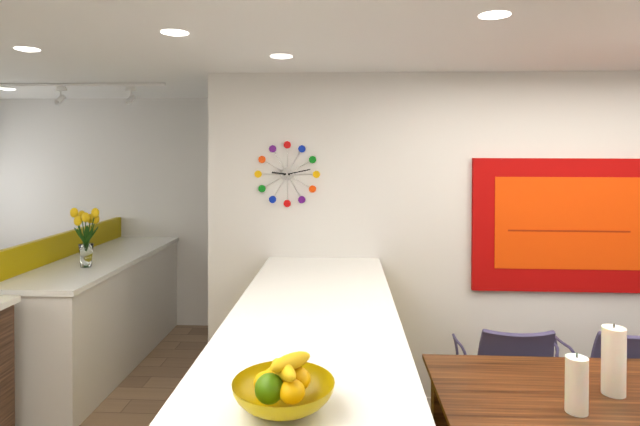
9:13
